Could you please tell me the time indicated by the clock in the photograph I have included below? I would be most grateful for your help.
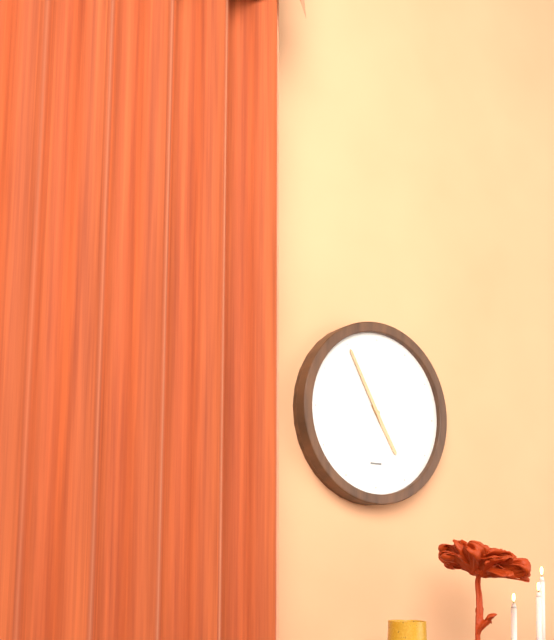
4:55
